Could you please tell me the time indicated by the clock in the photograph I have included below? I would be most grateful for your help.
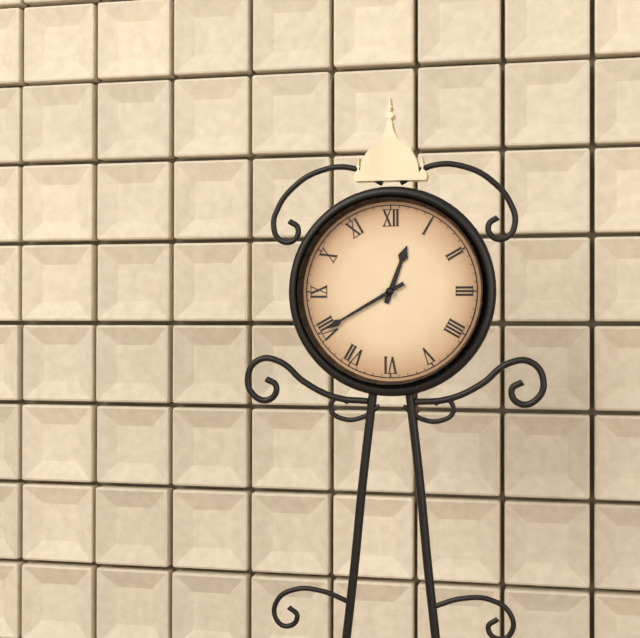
12:40
